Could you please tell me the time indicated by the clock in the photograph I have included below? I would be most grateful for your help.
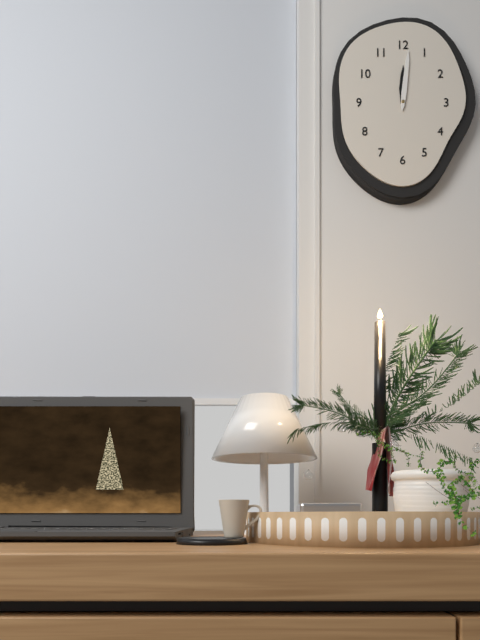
12:01
